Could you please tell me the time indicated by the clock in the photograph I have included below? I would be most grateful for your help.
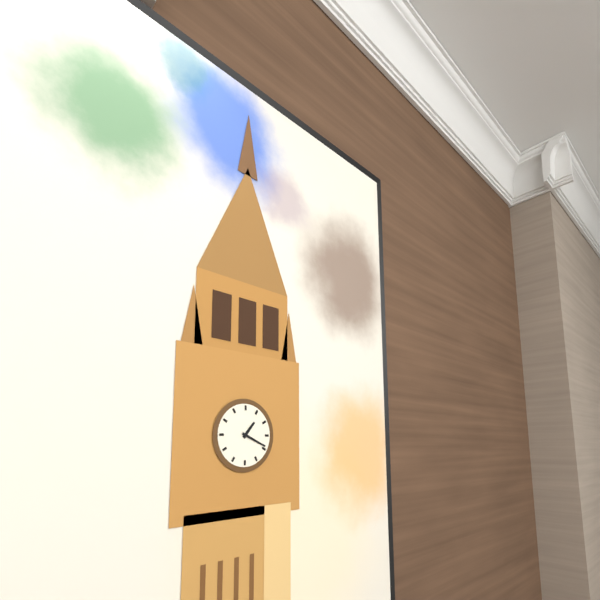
1:19
